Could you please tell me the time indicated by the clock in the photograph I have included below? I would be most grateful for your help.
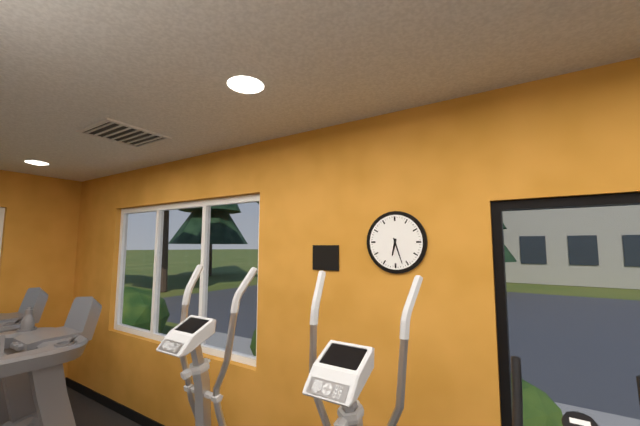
6:27
